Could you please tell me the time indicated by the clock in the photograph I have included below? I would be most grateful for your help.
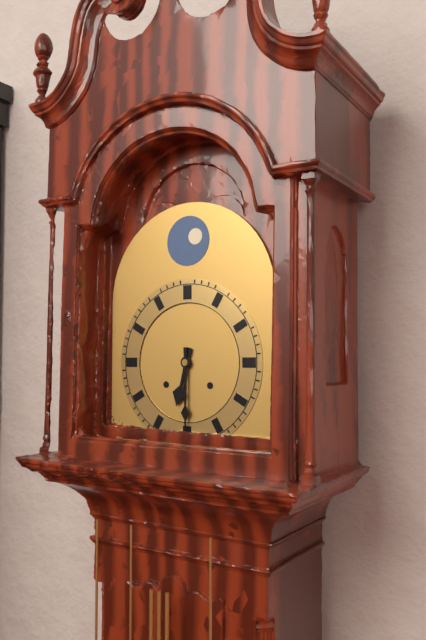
6:30
